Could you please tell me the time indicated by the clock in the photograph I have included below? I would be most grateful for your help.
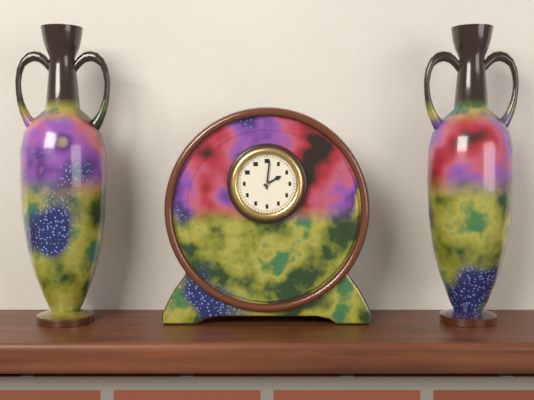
2:01
